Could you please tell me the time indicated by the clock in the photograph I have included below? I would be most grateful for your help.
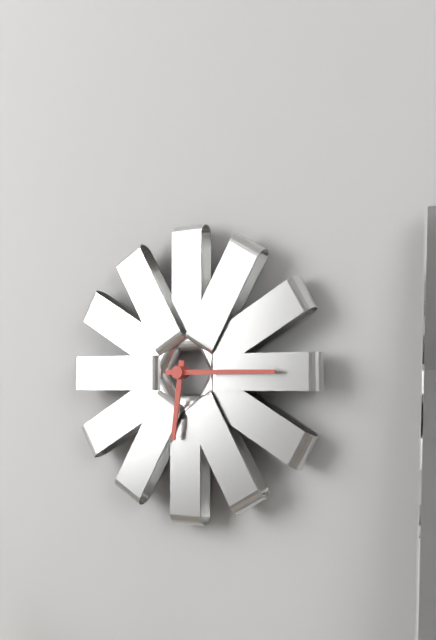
6:15
